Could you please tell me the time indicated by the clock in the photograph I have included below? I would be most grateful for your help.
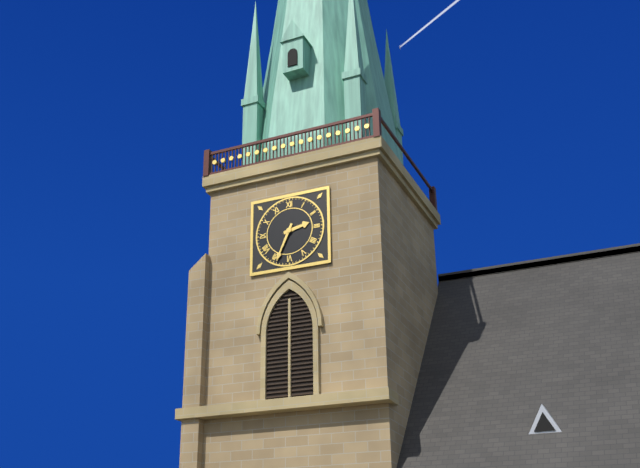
2:34
